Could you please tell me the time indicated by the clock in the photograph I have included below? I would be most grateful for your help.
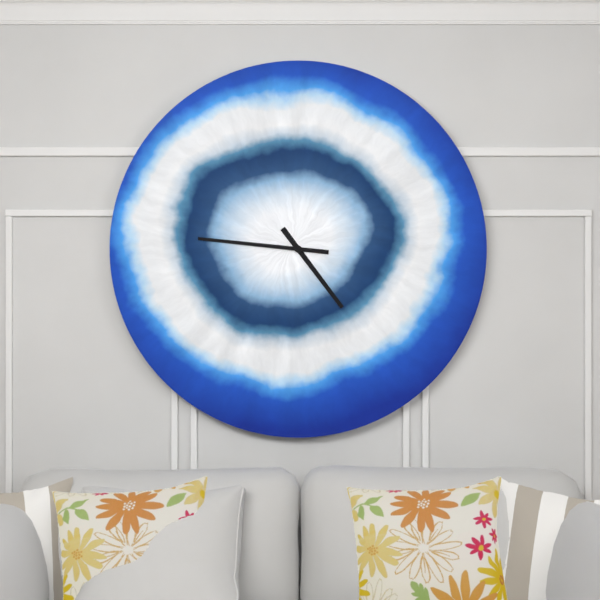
4:46
